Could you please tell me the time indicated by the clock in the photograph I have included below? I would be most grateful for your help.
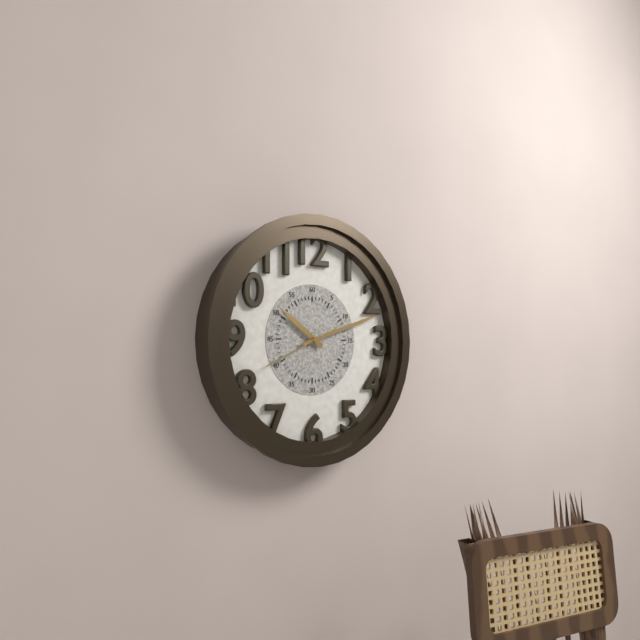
10:12:41
